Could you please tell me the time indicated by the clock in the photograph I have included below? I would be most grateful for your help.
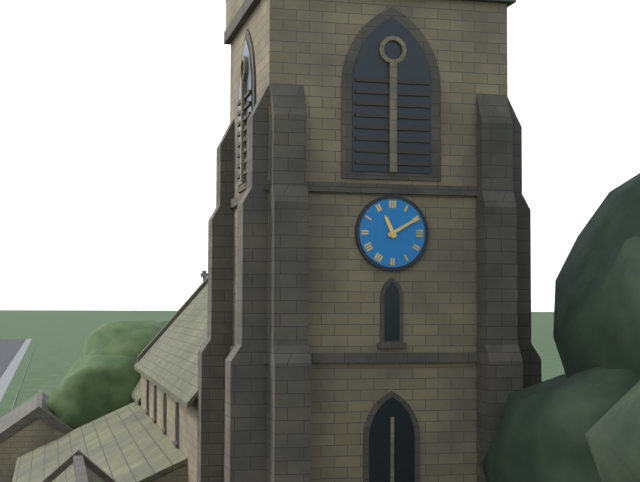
11:10
